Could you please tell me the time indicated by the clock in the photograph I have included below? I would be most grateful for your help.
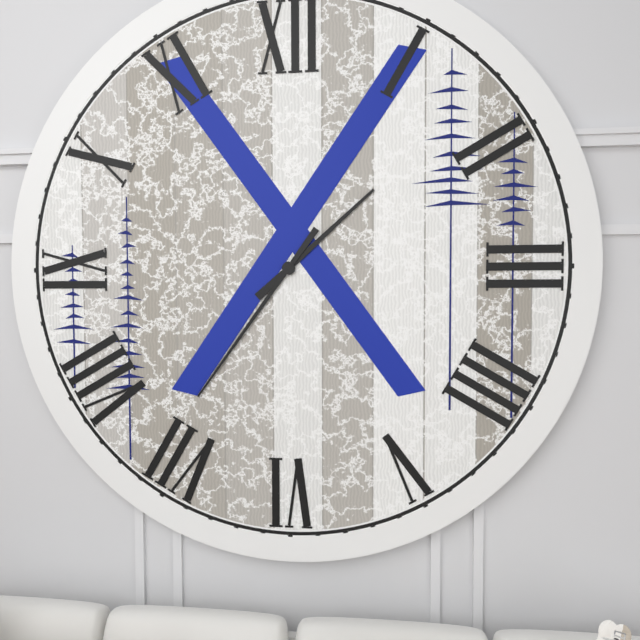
1:36
